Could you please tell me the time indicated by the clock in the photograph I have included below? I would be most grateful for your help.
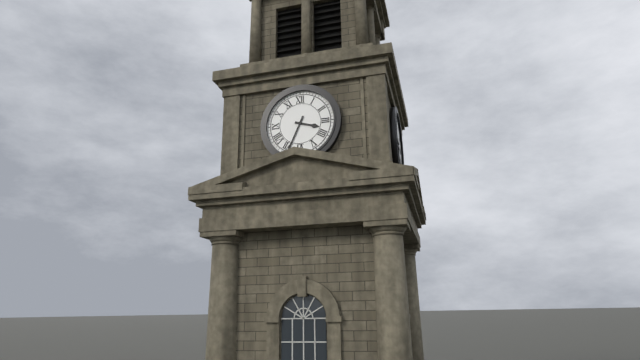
3:34
